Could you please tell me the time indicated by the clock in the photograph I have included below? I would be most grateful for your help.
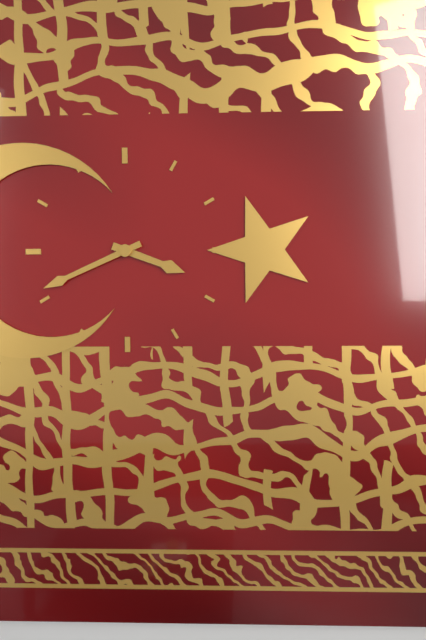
3:41
